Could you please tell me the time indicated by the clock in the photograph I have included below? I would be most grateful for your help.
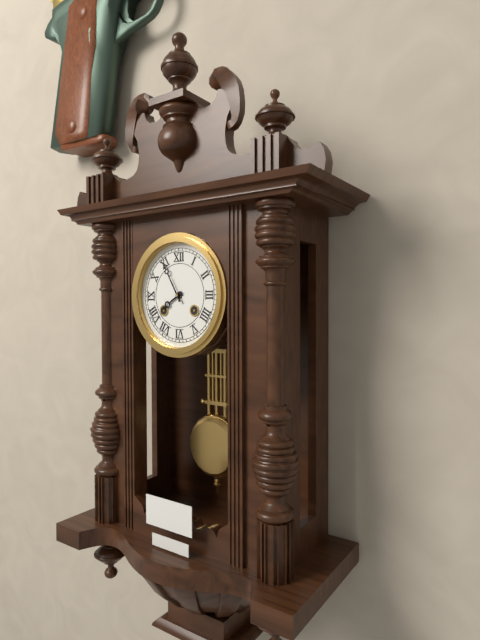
7:55
